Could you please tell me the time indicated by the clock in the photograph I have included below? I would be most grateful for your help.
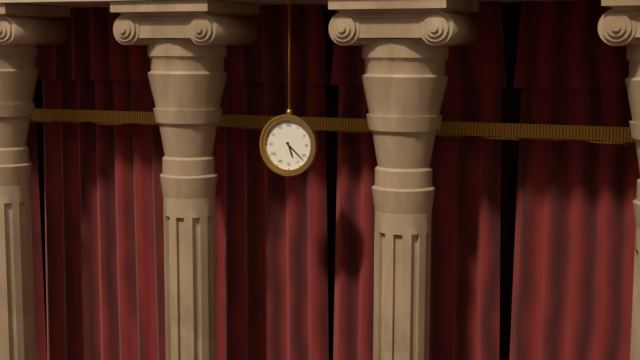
5:22
